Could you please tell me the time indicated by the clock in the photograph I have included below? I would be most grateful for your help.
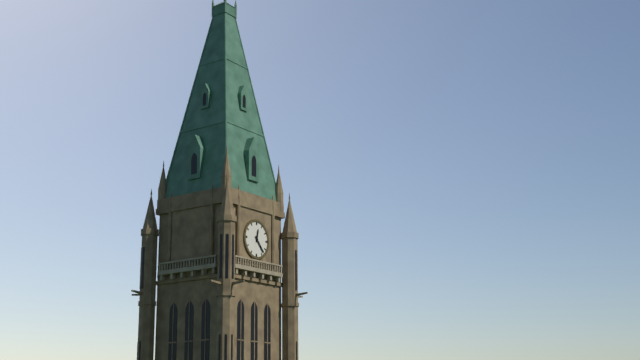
12:23
